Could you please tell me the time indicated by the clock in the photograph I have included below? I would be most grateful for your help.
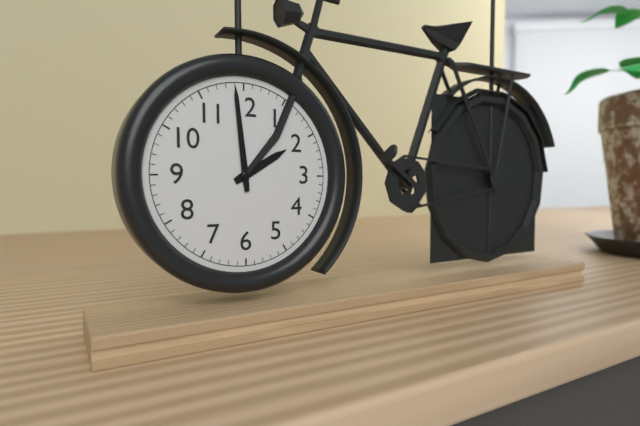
1:59
